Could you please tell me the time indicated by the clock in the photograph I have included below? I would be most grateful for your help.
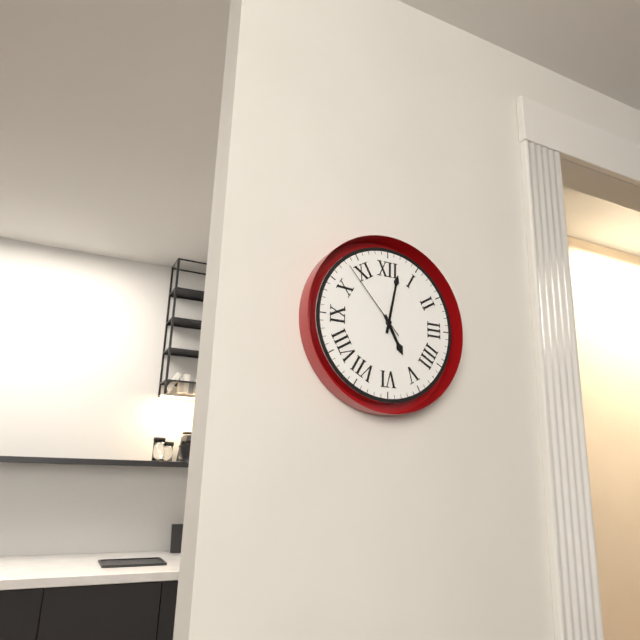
5:02:53
